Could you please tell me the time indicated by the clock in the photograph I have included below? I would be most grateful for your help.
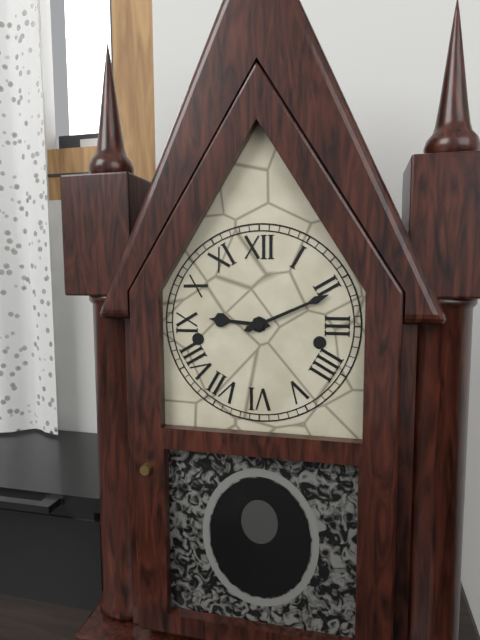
9:11
